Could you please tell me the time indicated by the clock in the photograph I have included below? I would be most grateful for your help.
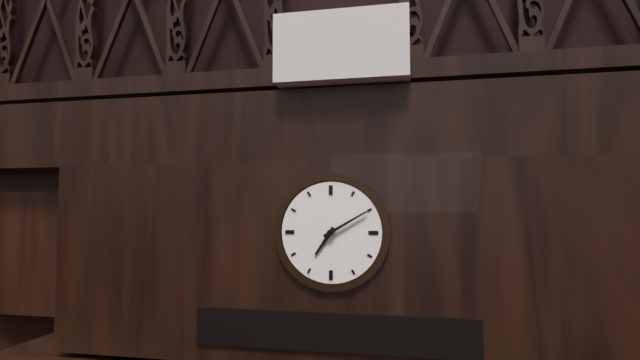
7:10
